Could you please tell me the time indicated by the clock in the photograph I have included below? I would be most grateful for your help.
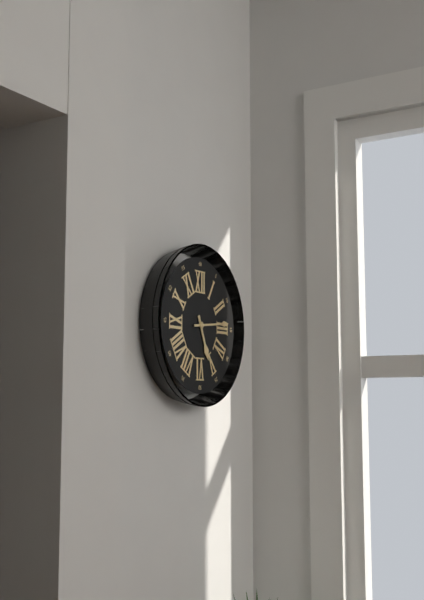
5:14
